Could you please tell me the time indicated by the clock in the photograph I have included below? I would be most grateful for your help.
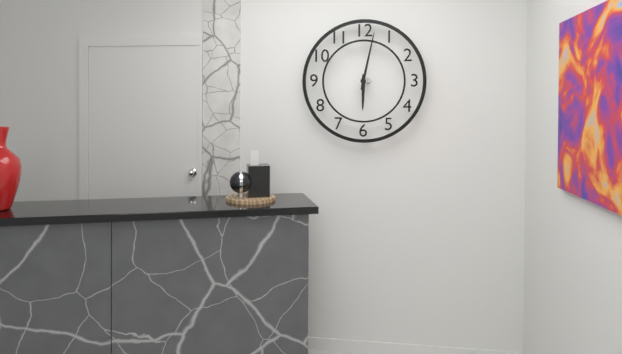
6:02
